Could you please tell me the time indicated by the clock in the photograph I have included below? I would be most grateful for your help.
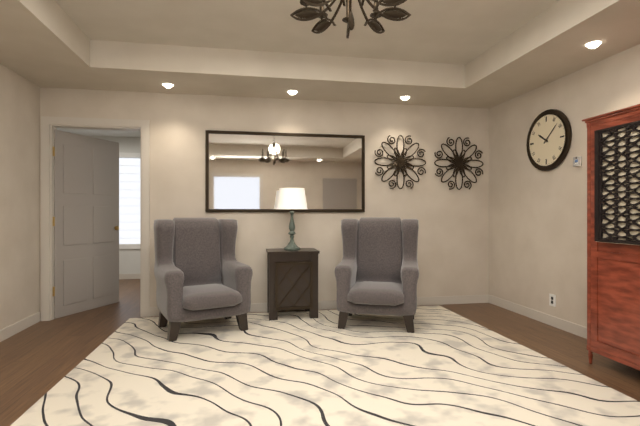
10:08
